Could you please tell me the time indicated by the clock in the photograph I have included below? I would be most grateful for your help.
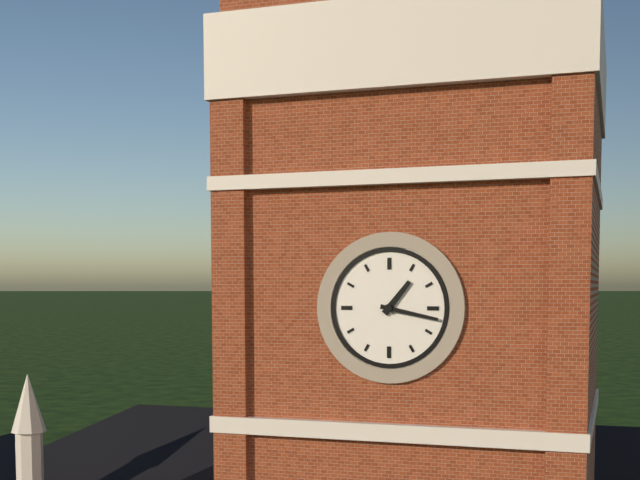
1:17
